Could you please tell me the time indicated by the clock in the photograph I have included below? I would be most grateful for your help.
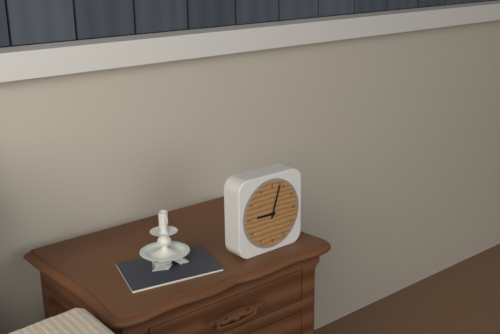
9:03
